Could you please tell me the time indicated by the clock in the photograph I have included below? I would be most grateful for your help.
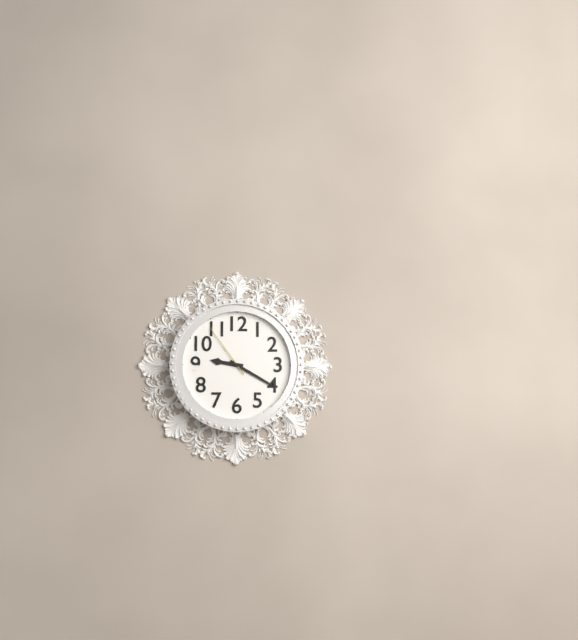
9:20:54
